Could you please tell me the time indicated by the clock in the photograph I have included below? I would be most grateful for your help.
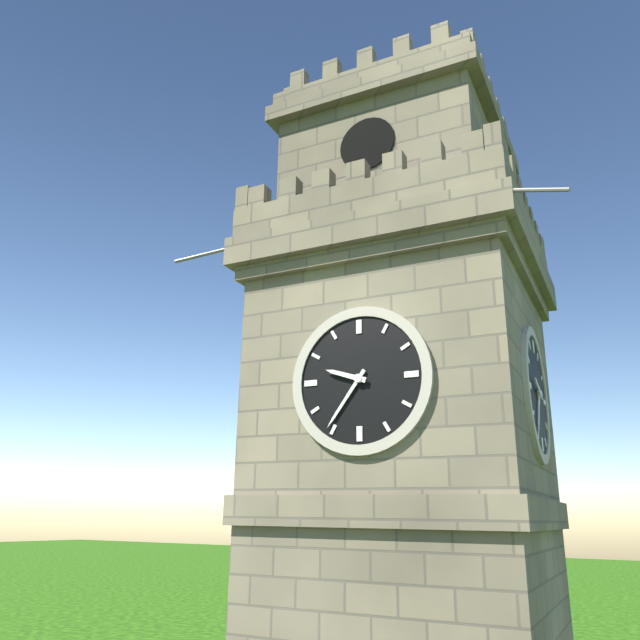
9:36
